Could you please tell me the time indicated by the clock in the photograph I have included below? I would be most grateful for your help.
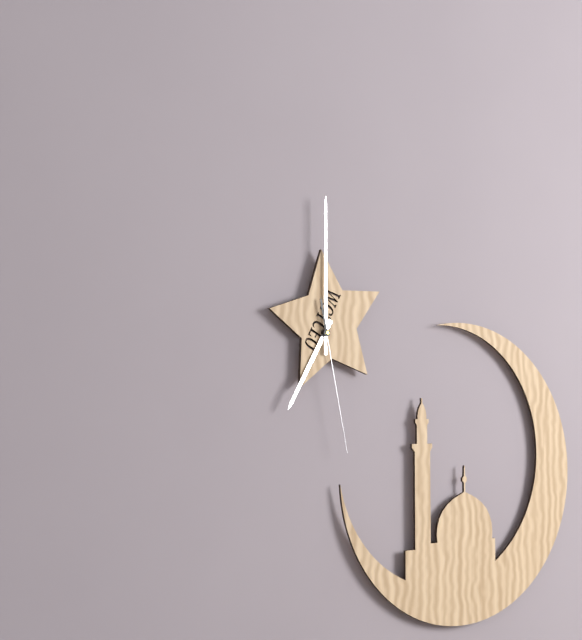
7:00:28
